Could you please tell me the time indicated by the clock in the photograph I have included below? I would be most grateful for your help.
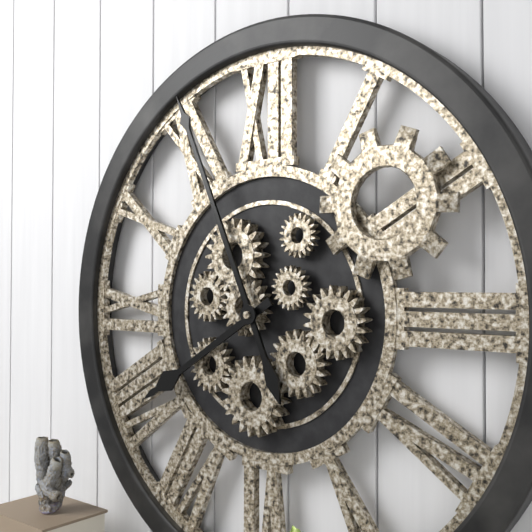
7:56
